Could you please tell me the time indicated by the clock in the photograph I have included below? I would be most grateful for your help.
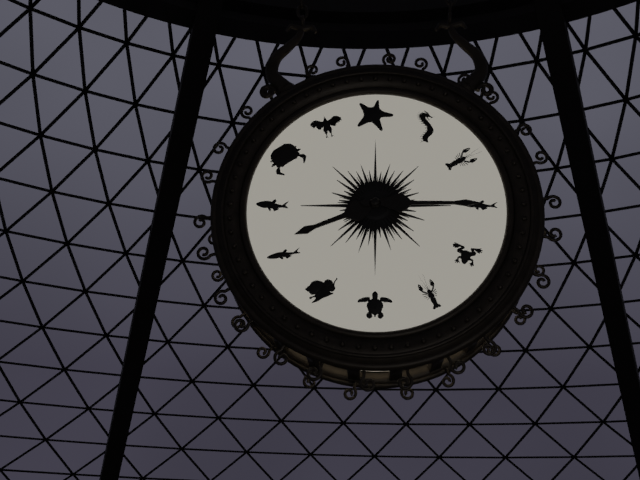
8:15
